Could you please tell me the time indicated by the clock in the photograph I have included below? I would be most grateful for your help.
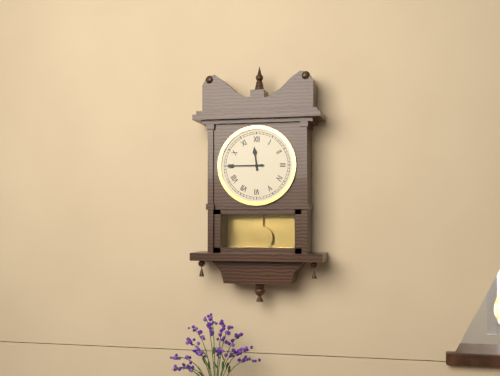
11:45
